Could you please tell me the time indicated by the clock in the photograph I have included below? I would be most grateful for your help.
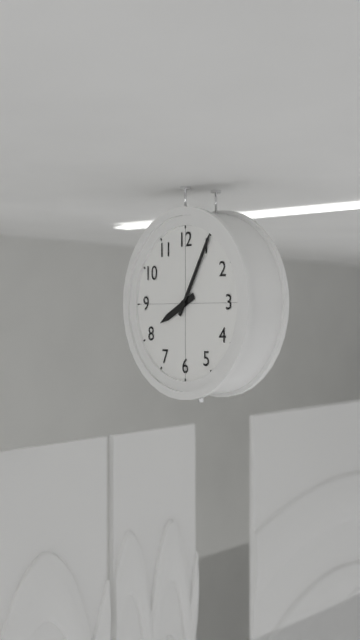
8:05
